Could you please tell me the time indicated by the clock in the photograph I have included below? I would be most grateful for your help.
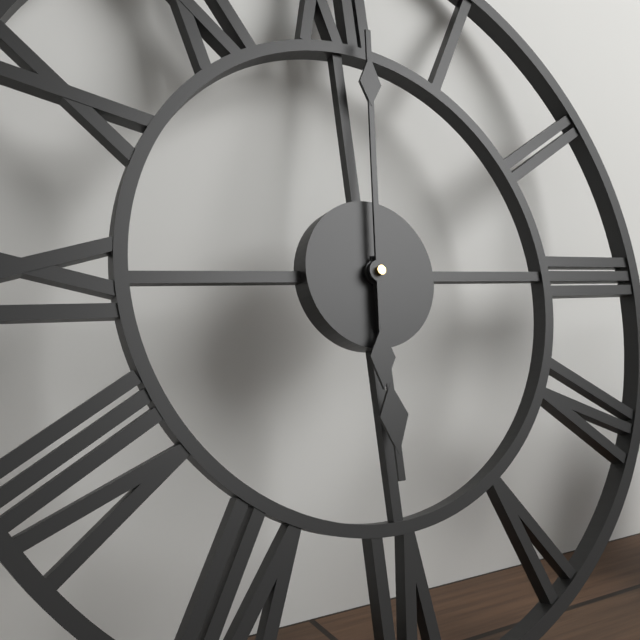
6:01
